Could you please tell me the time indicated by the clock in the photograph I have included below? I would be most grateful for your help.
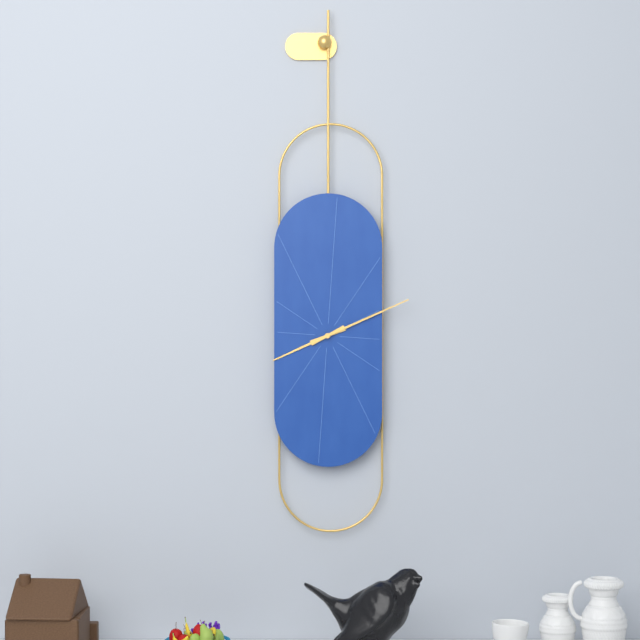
8:11
